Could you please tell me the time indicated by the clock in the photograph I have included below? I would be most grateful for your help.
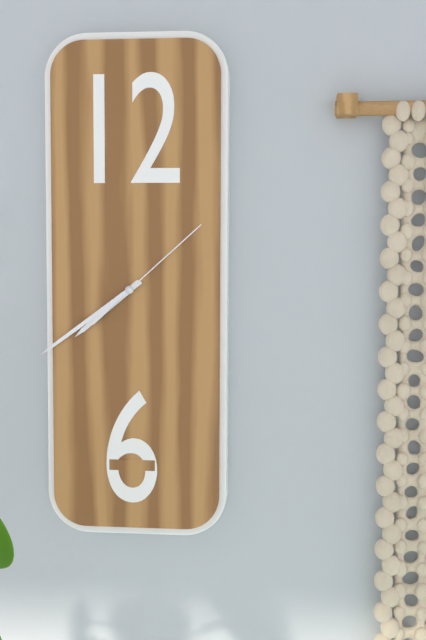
7:39:08
